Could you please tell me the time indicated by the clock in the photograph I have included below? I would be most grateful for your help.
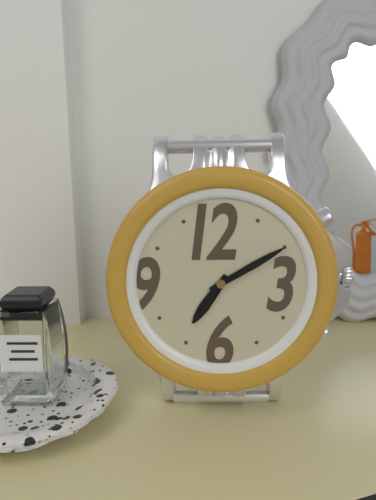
7:10
